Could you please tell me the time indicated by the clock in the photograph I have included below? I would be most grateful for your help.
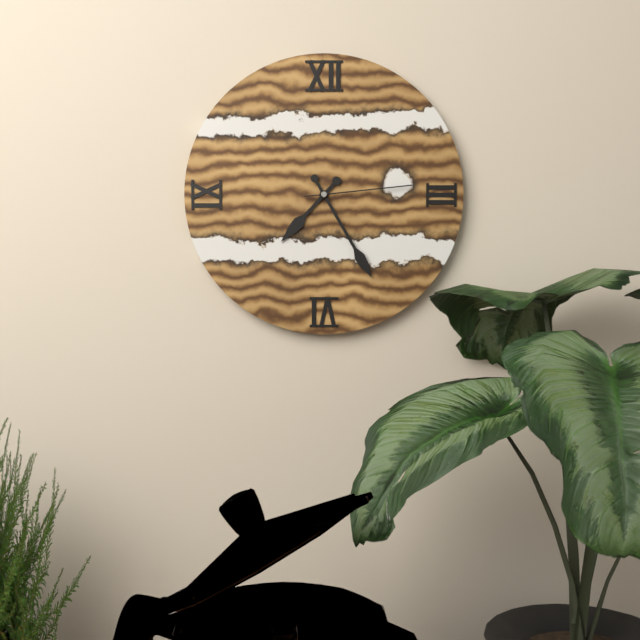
7:25:14
